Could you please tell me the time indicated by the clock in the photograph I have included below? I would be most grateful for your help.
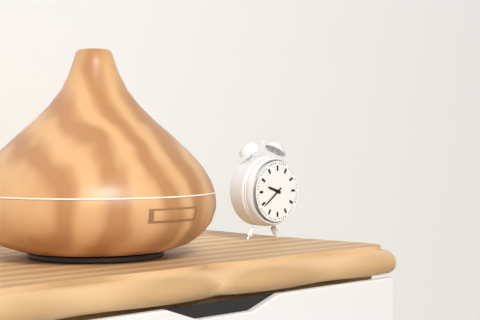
9:39
